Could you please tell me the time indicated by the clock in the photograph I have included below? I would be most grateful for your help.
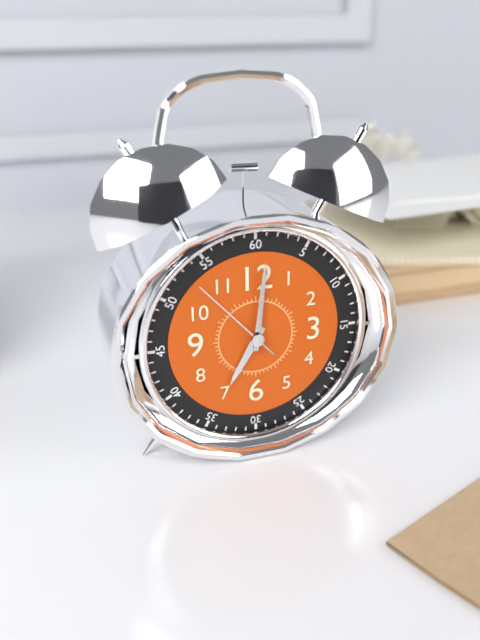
7:01:53
